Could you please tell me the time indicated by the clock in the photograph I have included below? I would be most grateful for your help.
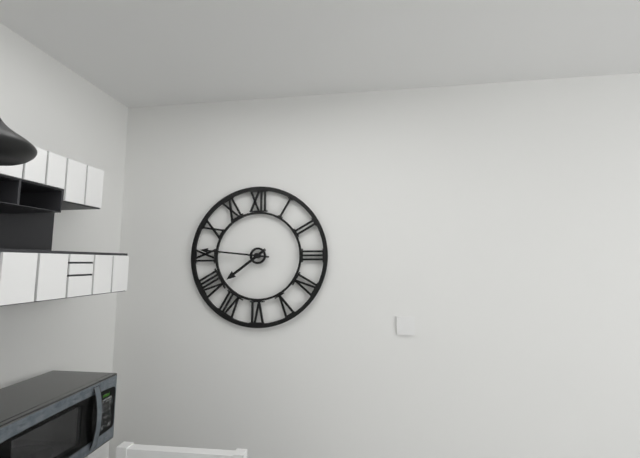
7:46
